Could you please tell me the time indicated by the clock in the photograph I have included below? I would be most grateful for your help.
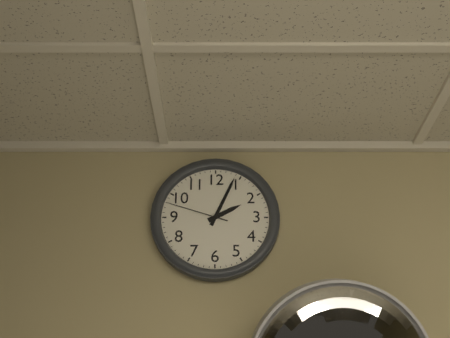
2:04:48
